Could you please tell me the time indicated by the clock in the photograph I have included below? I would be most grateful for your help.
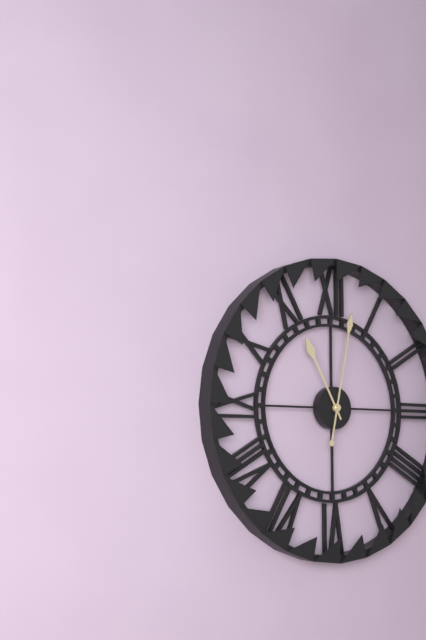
11:02
